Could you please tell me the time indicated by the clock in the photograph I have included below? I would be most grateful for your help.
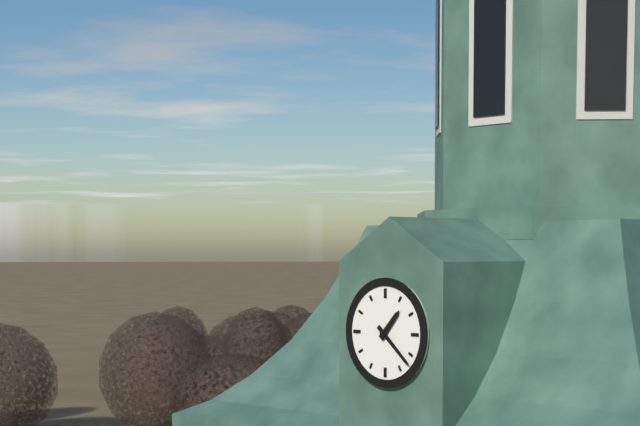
1:22
